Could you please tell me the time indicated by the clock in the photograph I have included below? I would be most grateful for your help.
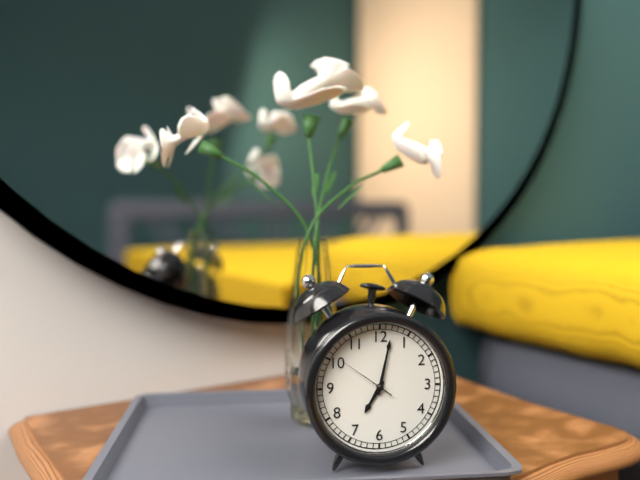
7:02:51
